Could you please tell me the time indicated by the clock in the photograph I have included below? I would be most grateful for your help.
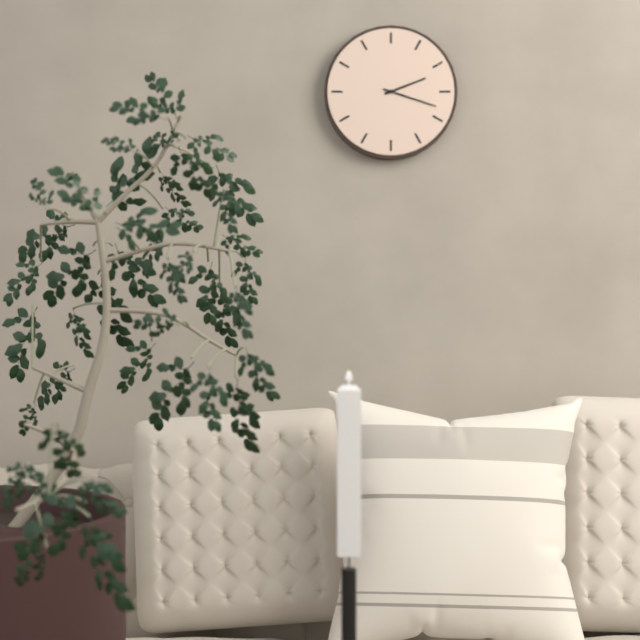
2:18
